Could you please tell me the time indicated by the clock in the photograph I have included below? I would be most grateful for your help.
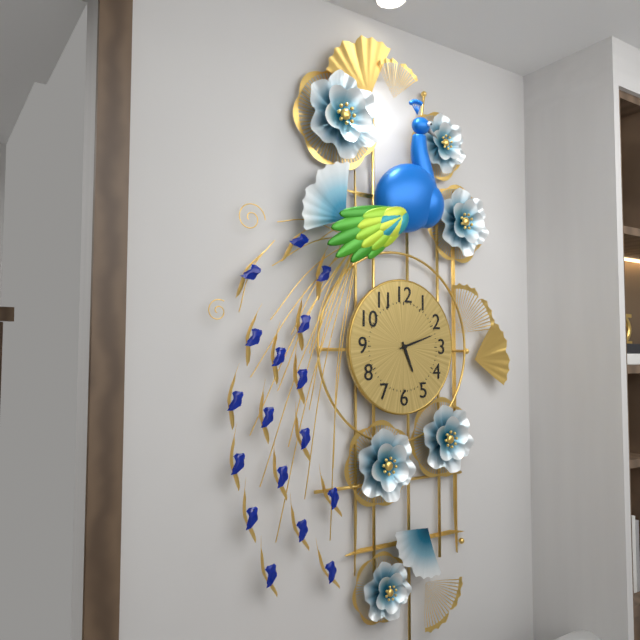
5:12
